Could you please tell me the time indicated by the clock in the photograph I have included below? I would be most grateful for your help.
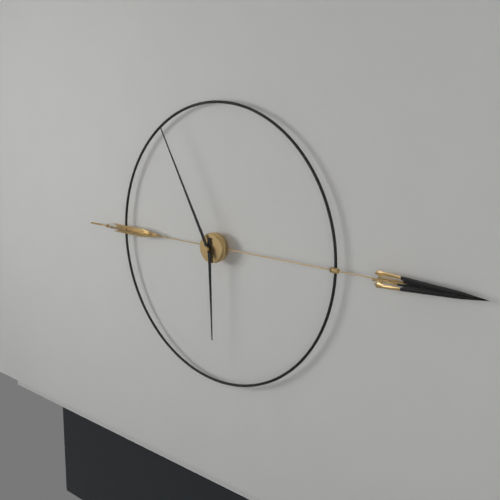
5:55
